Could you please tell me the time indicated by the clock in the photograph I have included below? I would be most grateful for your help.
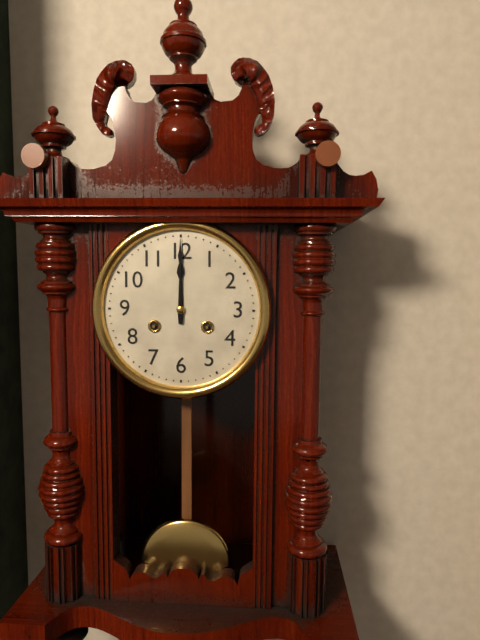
12:00
